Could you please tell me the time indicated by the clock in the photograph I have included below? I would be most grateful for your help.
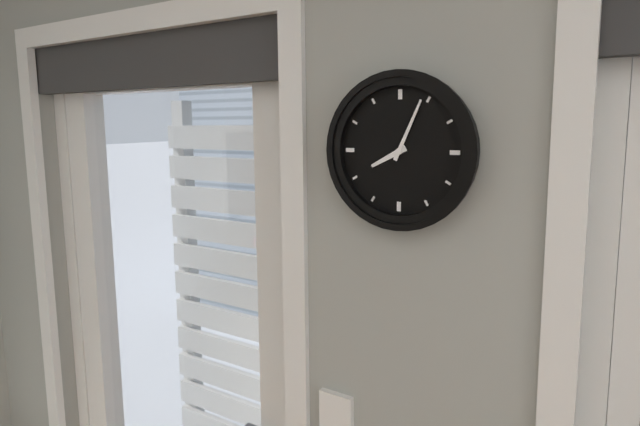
8:04
